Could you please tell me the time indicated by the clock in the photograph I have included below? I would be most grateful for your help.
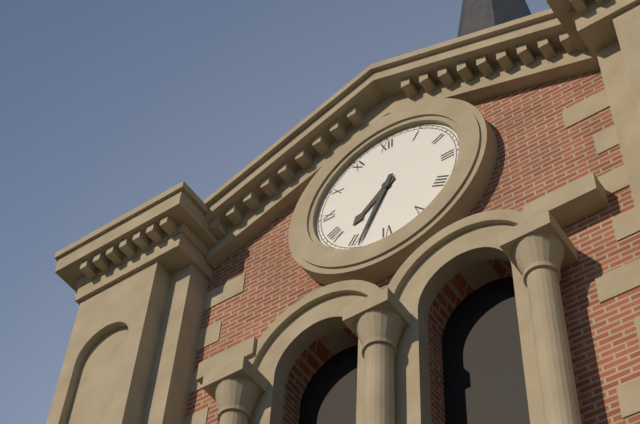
7:34
